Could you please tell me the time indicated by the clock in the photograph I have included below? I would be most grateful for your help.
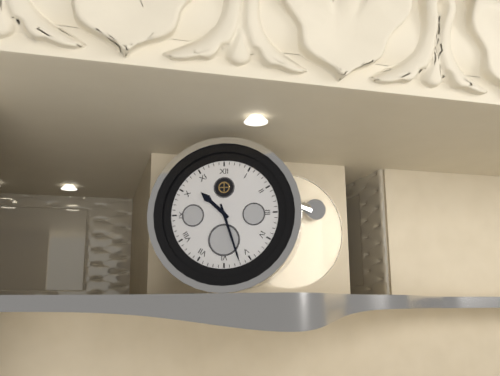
10:27
